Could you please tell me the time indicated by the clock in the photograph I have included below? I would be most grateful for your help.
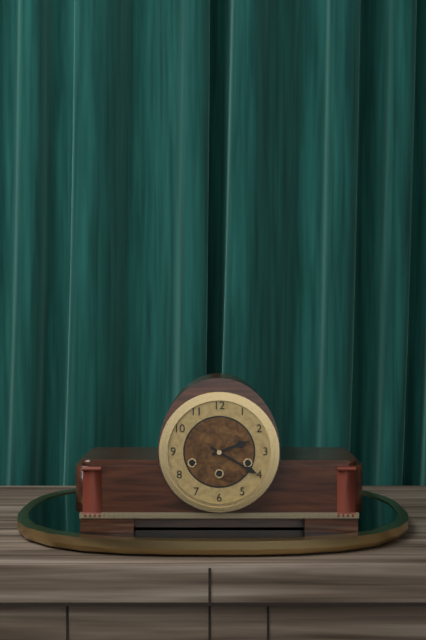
2:20
